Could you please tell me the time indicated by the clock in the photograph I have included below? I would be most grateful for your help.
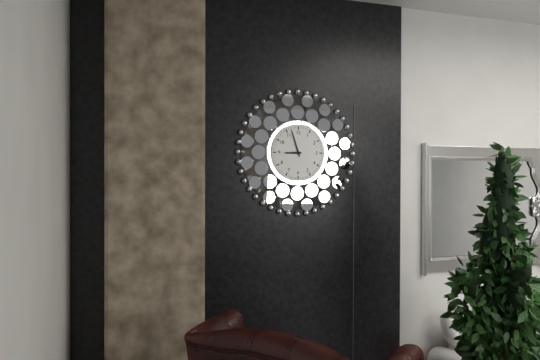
8:57
